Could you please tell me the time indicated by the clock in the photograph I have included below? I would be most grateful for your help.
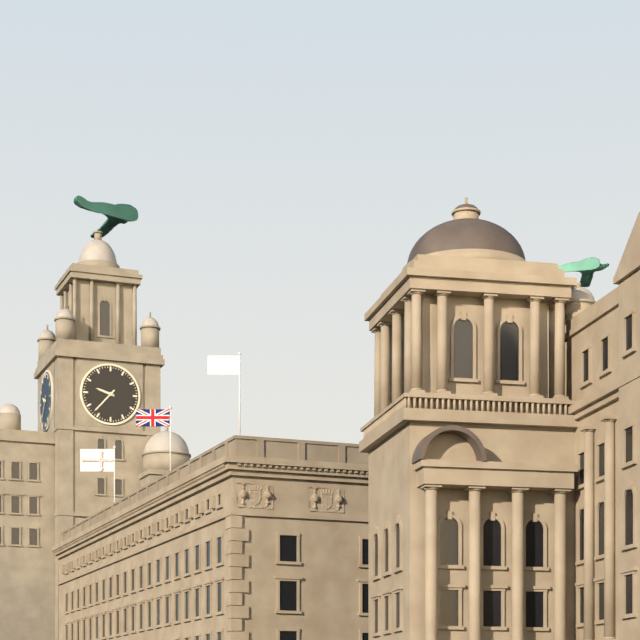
9:37
